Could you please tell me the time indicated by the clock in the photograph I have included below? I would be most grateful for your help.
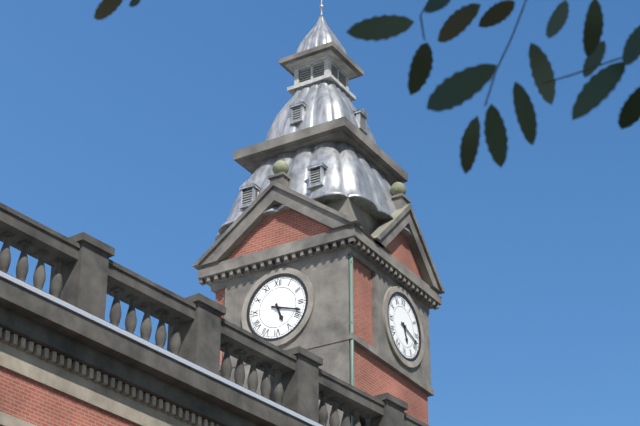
5:18
